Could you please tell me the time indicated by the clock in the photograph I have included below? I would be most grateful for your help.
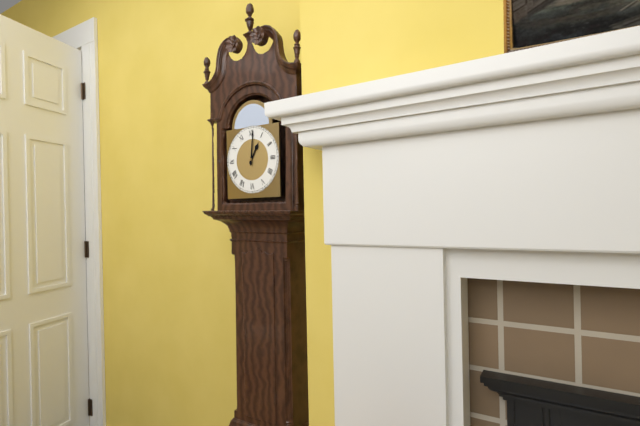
1:01
